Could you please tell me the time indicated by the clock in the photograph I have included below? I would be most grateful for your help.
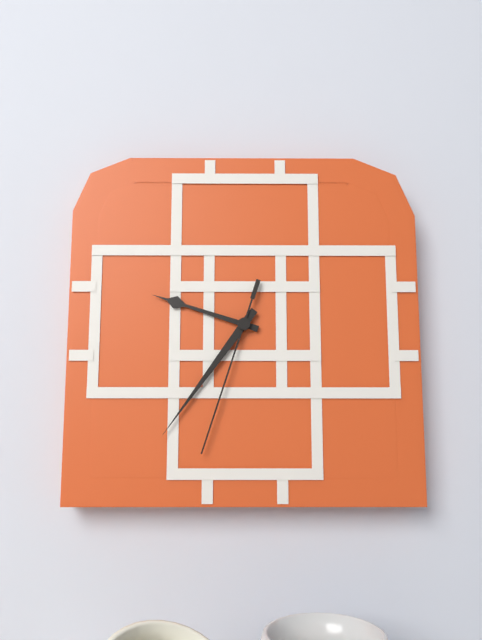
9:36:33
